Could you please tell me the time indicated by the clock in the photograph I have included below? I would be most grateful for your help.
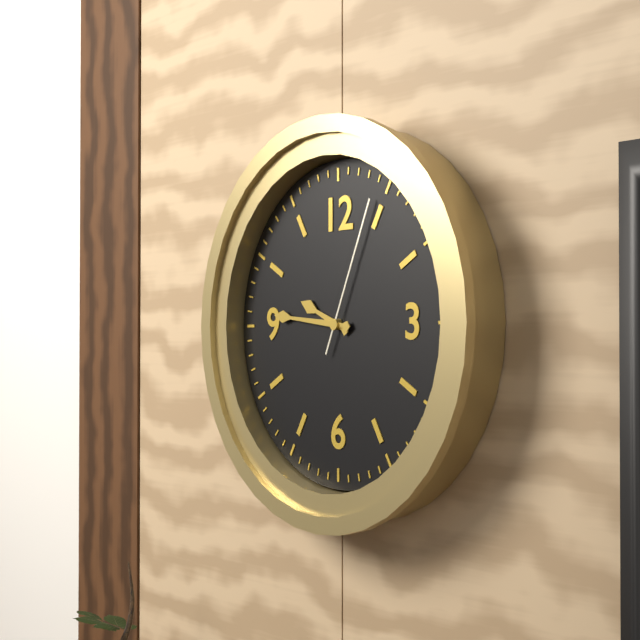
9:46:04
